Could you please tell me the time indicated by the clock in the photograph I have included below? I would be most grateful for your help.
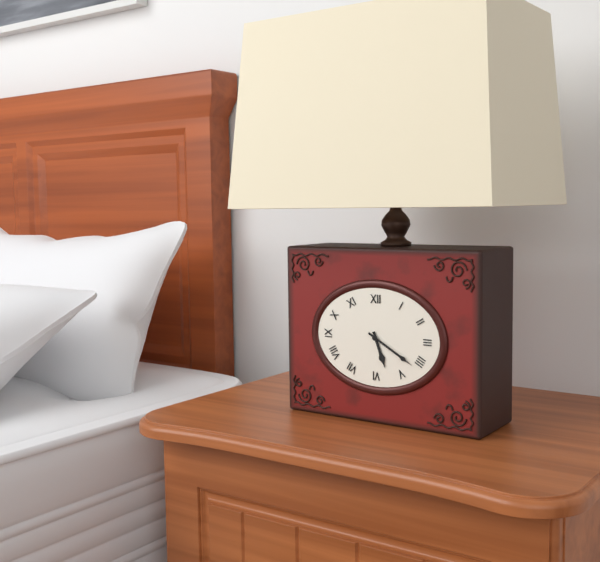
5:20
